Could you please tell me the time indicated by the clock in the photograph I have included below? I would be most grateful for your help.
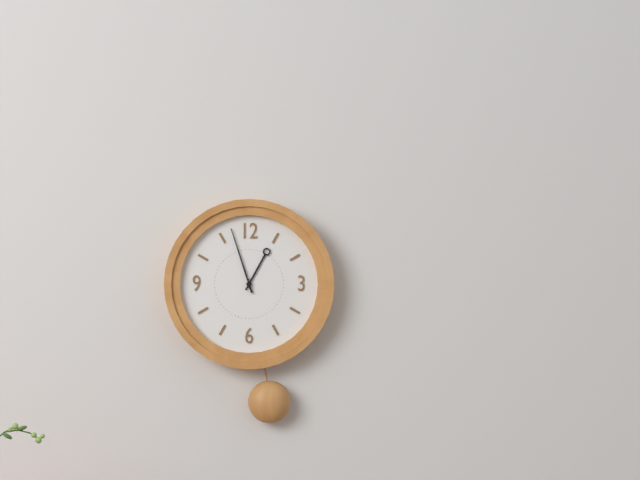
12:57
